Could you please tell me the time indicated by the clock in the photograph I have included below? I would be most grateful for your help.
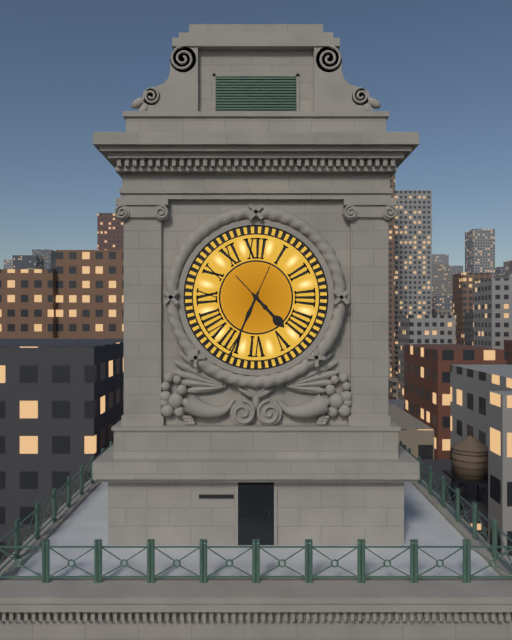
4:34
